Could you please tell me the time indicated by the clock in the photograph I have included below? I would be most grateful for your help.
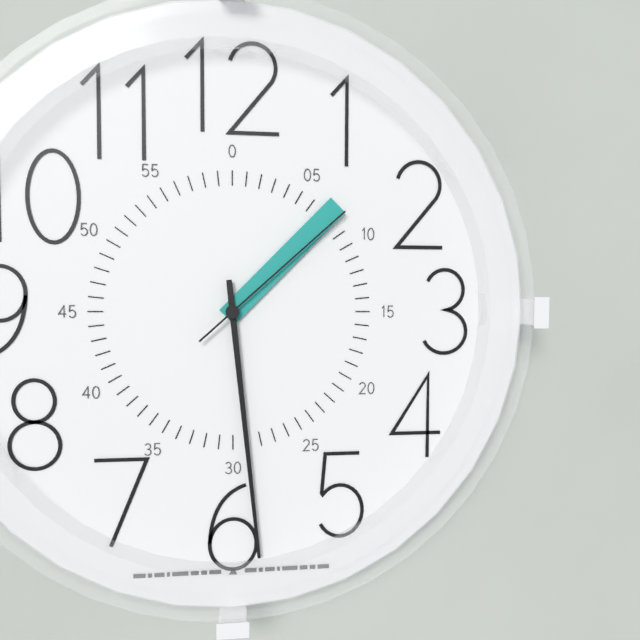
1:29:08
